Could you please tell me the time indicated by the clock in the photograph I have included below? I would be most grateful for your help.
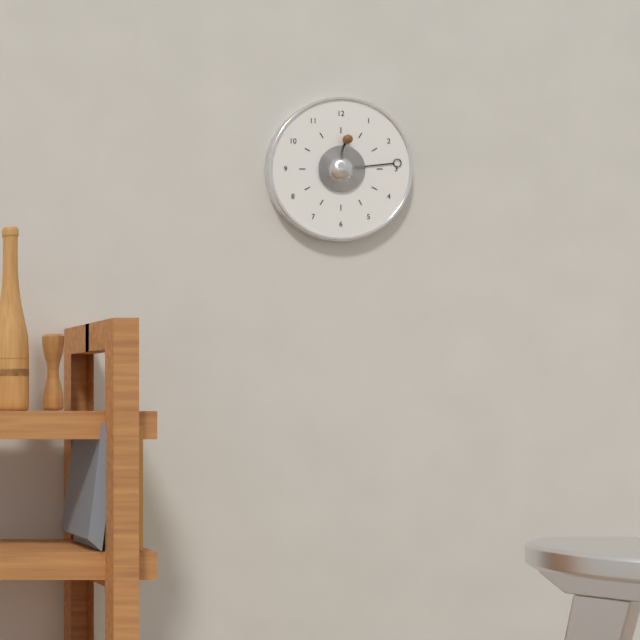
12:14
